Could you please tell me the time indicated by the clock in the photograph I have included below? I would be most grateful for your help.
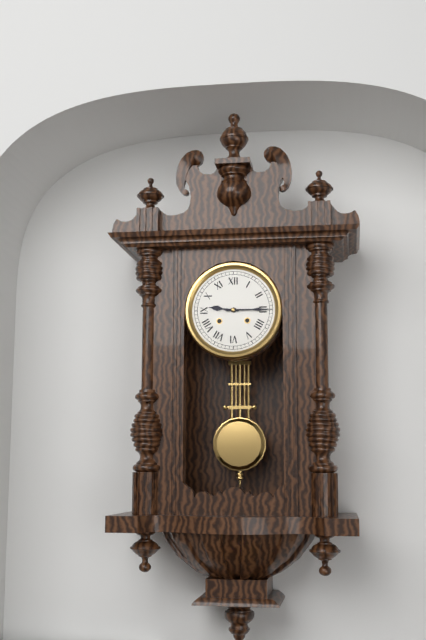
9:15
